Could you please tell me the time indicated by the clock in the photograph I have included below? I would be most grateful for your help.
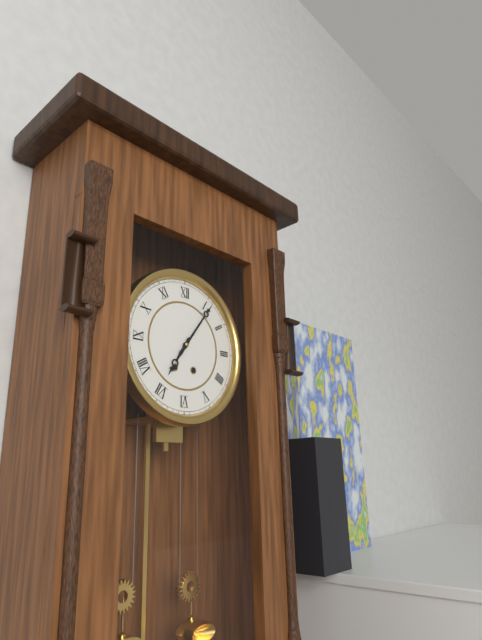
7:06
